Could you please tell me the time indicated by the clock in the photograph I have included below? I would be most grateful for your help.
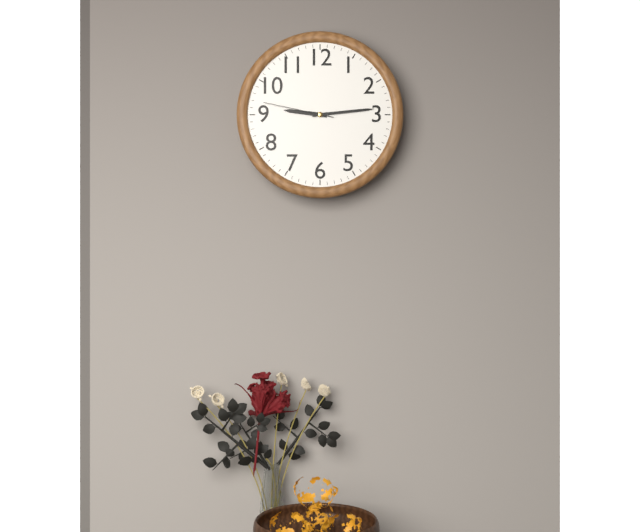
9:14:47
